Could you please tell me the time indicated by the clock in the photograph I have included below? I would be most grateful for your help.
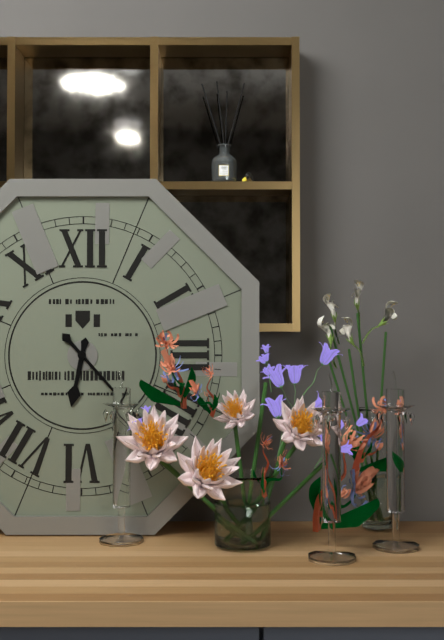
6:23
